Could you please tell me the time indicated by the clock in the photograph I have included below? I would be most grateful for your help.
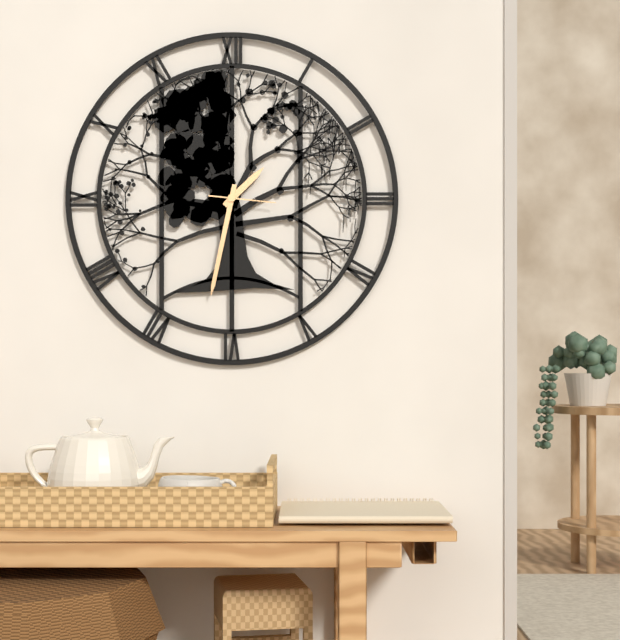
1:32:16
